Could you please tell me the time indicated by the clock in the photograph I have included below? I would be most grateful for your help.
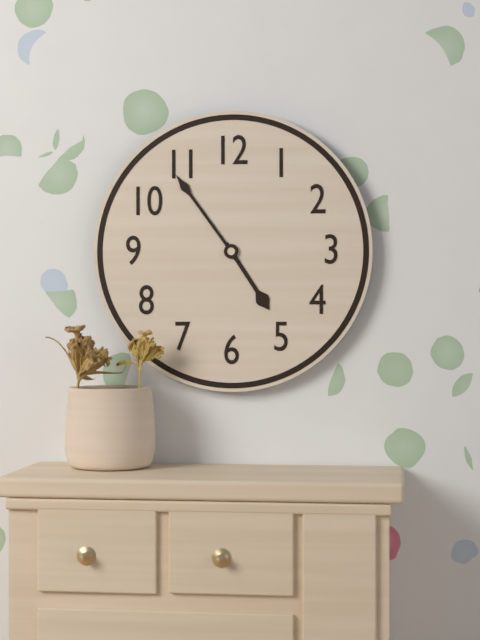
4:54
